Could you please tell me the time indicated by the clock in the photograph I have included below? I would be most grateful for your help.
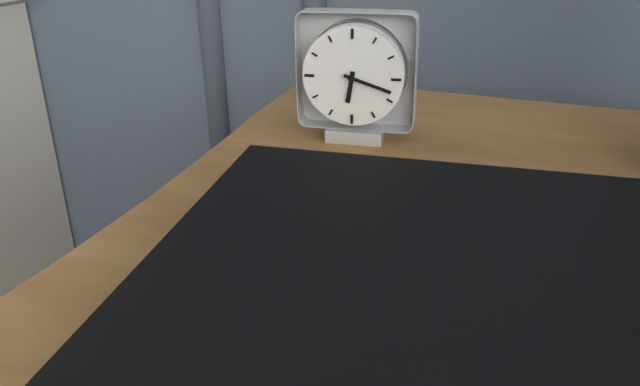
6:18
